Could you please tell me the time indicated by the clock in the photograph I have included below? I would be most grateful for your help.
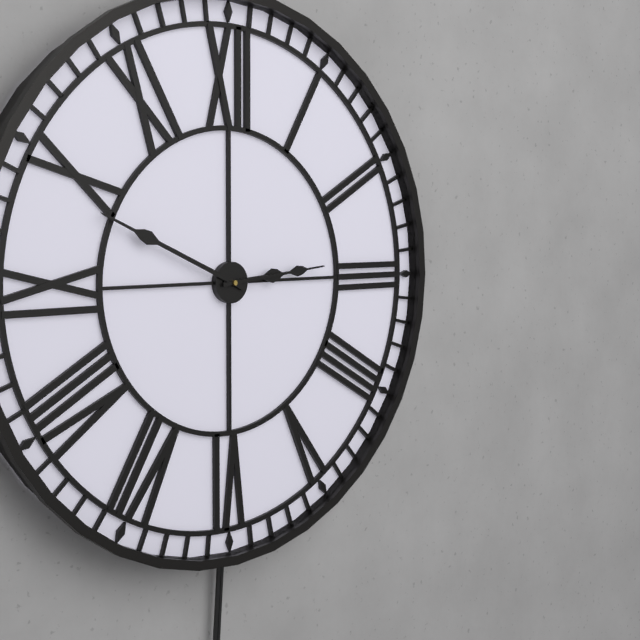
2:49:14
